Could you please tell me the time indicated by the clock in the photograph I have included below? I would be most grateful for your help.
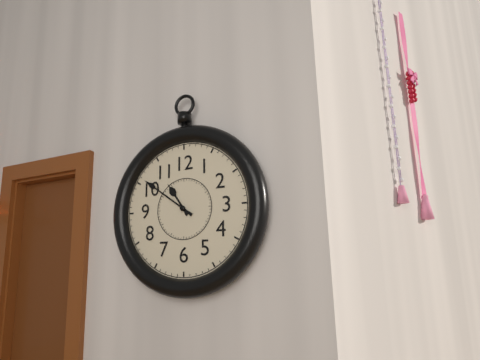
10:51
